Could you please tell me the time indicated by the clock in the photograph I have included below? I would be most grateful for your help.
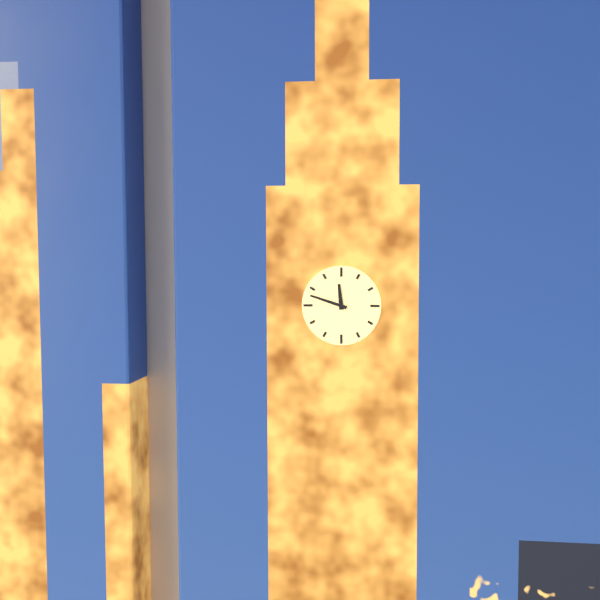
11:48
